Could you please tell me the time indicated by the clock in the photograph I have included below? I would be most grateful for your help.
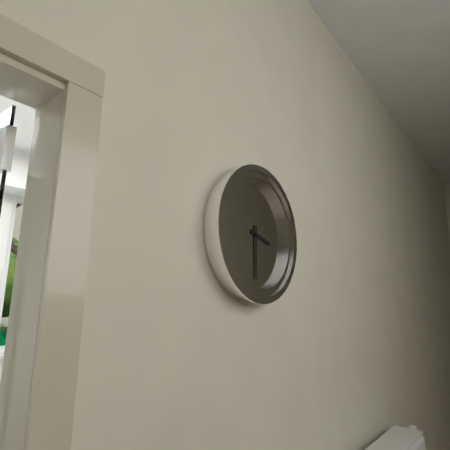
3:30
